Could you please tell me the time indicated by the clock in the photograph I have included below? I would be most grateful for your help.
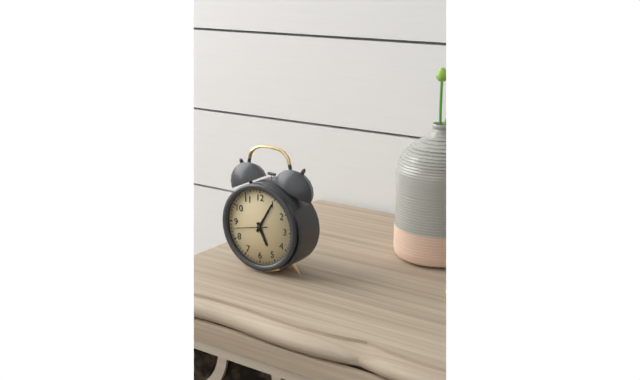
5:05
